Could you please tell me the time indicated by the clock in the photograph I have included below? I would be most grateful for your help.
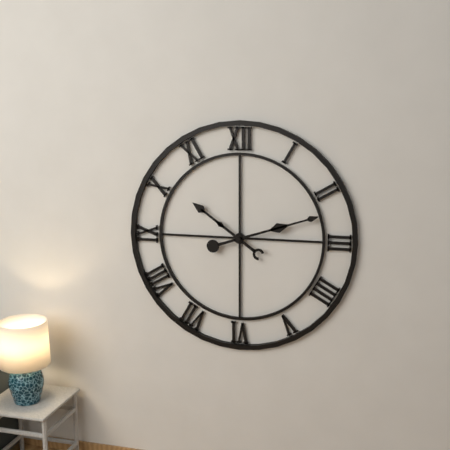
10:12
